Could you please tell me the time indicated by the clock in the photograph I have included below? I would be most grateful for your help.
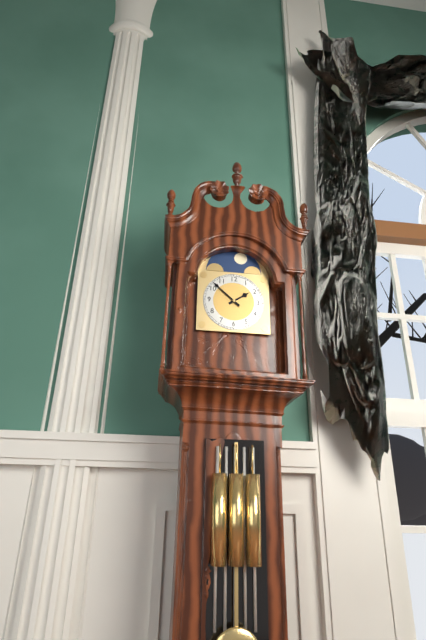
1:52
